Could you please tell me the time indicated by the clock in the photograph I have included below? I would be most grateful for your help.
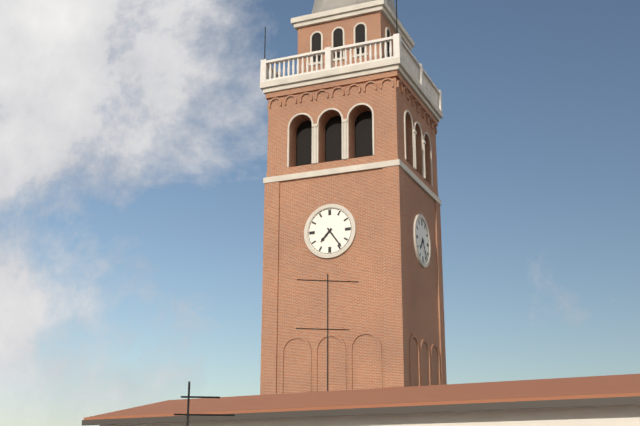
7:24
